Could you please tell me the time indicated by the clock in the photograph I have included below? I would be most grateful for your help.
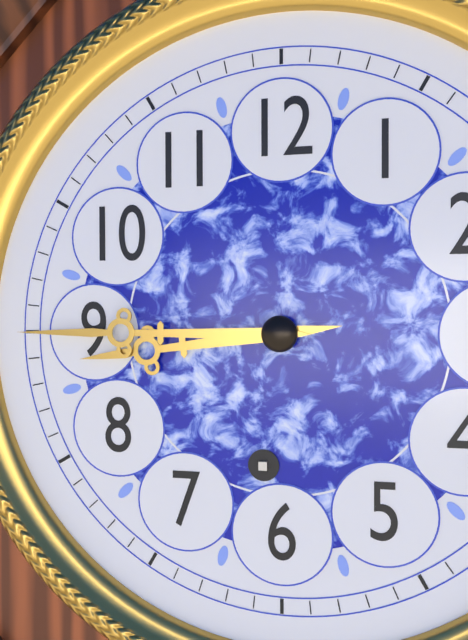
8:45
